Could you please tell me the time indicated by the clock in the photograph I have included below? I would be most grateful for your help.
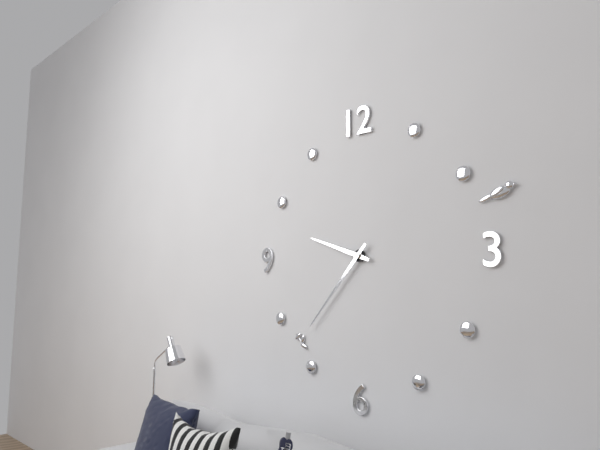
9:37
